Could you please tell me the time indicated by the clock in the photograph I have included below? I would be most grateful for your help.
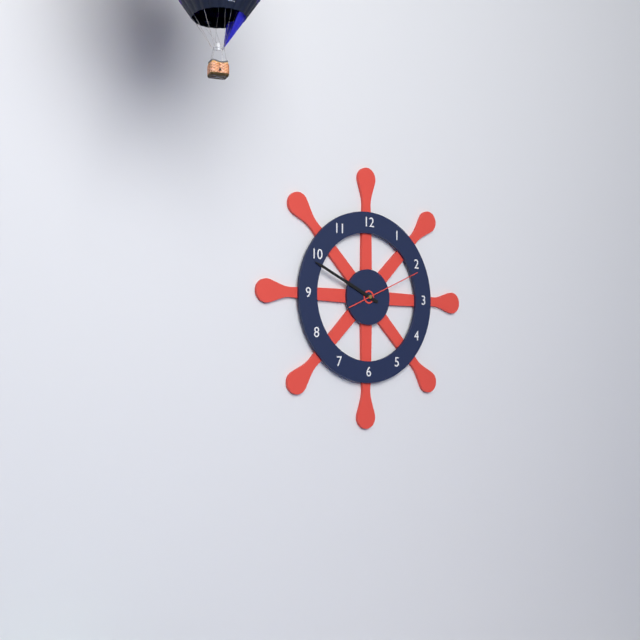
9:49:11
